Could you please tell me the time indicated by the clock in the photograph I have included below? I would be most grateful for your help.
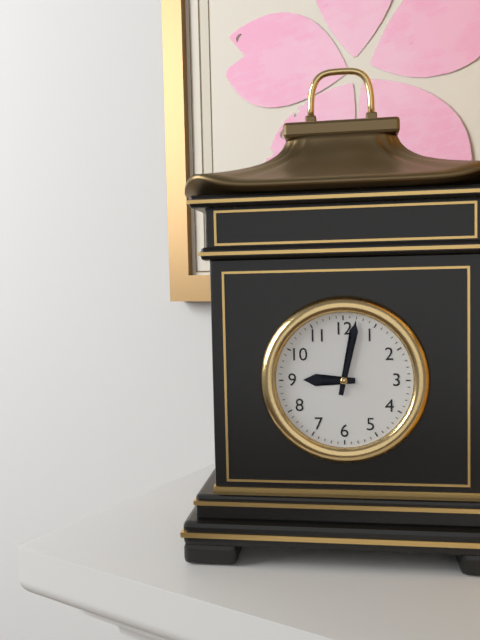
9:02
